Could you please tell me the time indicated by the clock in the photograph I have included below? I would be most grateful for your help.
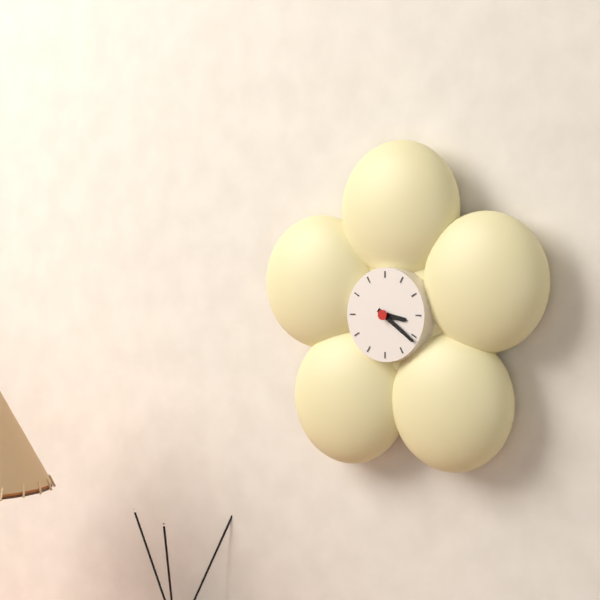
3:21
